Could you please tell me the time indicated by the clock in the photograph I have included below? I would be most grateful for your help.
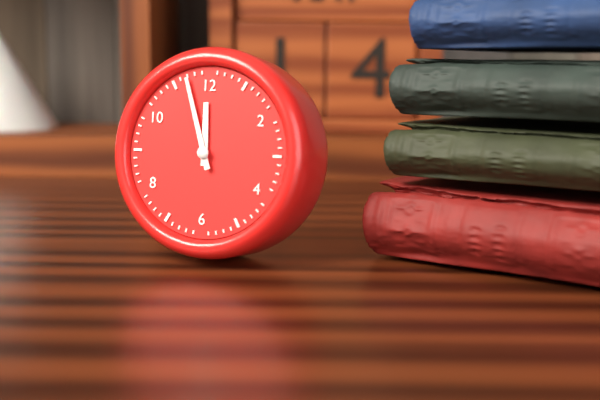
11:57
